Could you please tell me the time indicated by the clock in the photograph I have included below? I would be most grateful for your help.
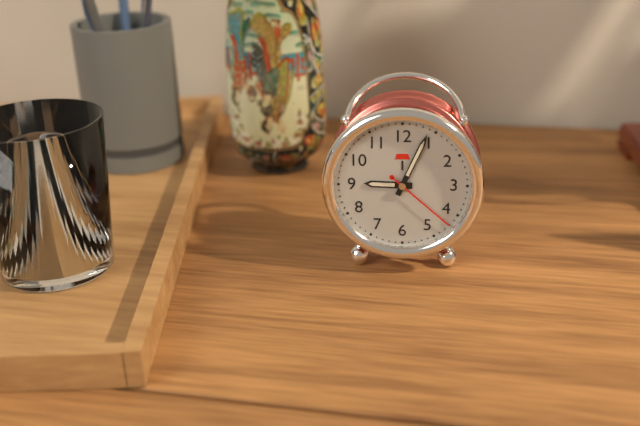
9:04:22
